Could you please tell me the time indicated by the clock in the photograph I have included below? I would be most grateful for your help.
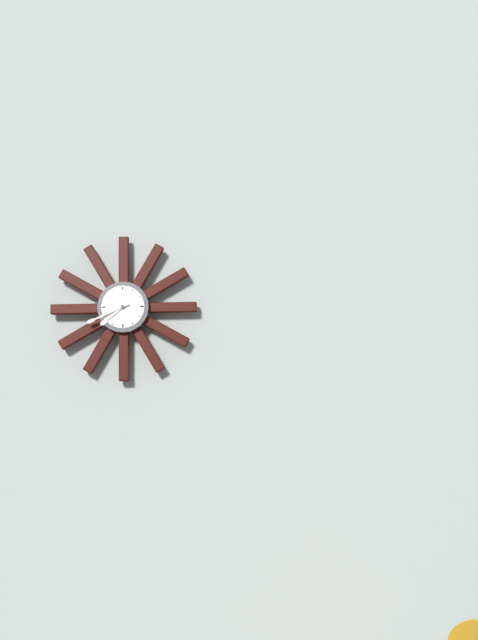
7:41
